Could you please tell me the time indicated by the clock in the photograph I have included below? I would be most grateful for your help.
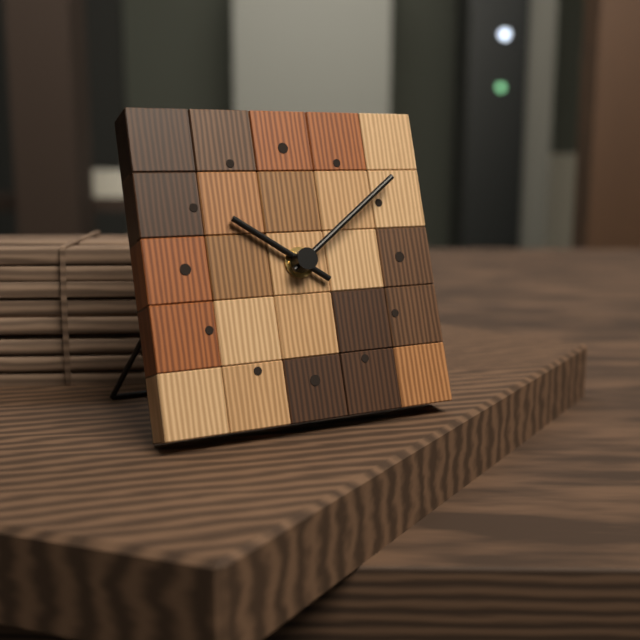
10:09
